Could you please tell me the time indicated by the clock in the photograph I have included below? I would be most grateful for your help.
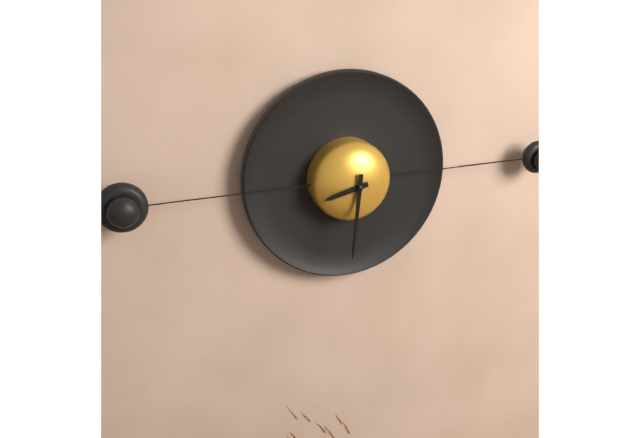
8:31
